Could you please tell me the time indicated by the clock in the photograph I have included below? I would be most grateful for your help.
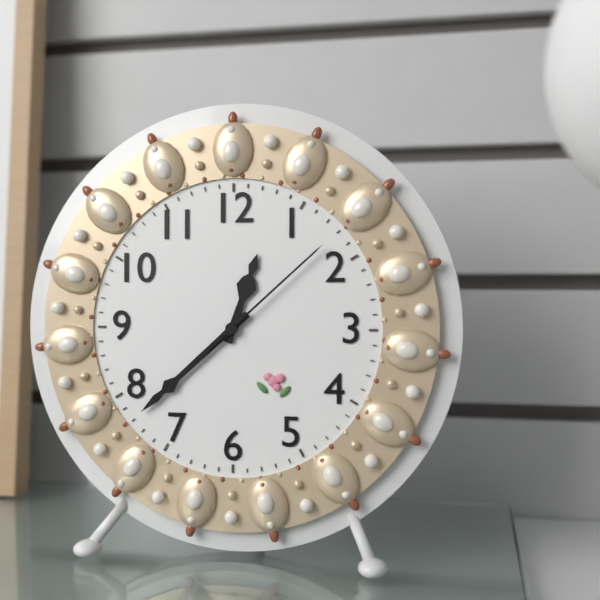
12:38:08
